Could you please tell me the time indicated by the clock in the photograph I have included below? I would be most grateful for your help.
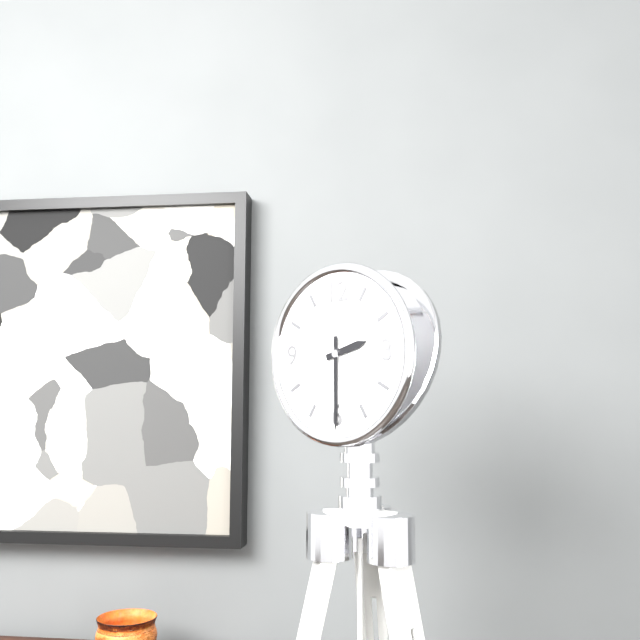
2:30
